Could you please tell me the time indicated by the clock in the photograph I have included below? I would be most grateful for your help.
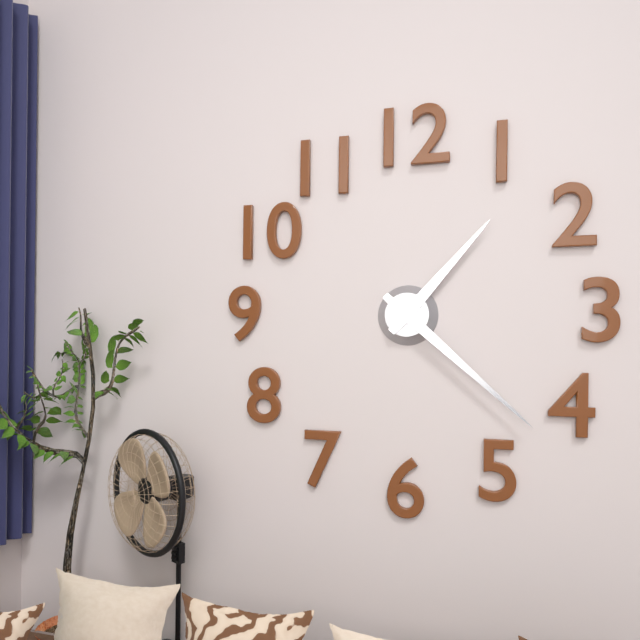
1:22
